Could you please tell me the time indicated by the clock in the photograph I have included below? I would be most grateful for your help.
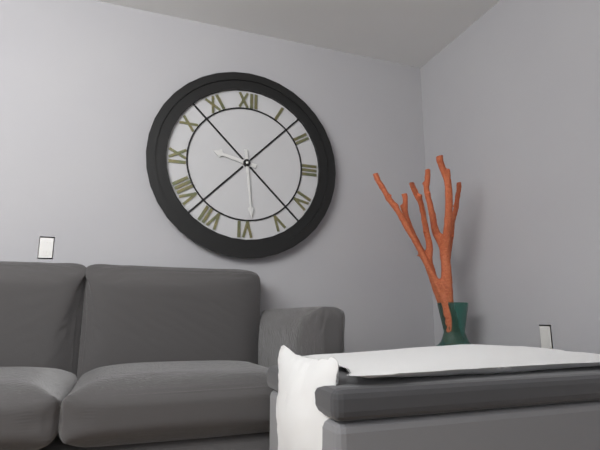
9:29
